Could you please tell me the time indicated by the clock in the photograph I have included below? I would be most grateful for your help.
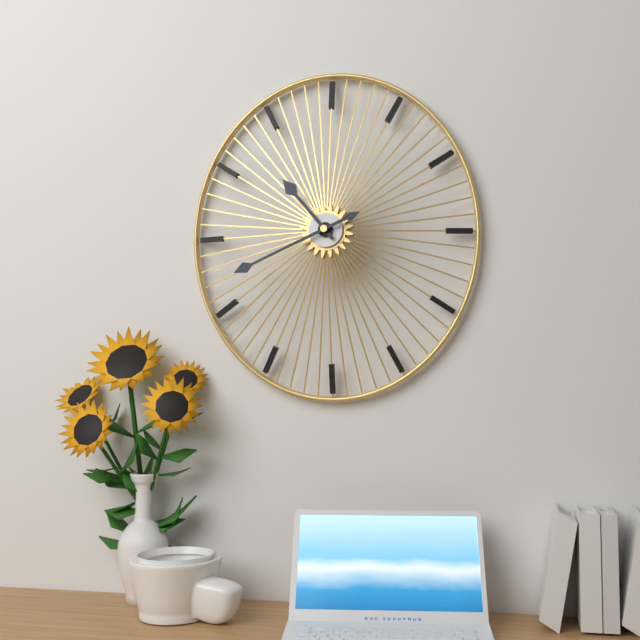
10:41
